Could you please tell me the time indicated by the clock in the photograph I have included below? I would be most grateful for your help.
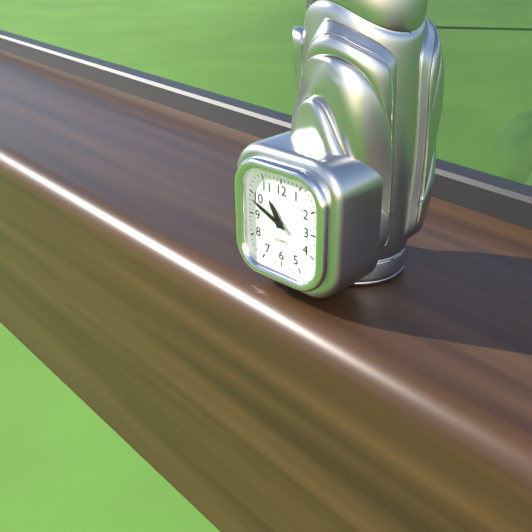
10:49
